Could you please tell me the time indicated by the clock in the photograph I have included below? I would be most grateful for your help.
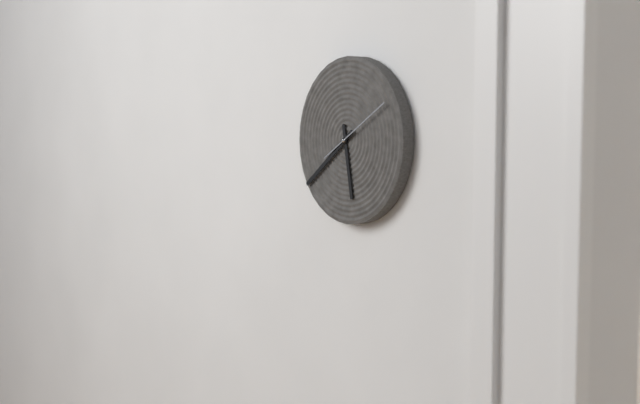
5:39:10
